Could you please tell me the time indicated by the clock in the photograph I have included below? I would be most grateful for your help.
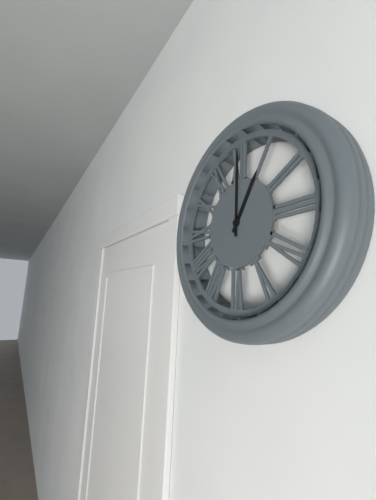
1:00
